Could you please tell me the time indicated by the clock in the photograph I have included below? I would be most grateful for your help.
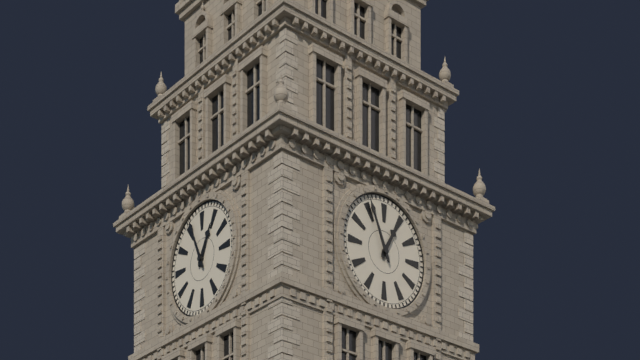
12:56
